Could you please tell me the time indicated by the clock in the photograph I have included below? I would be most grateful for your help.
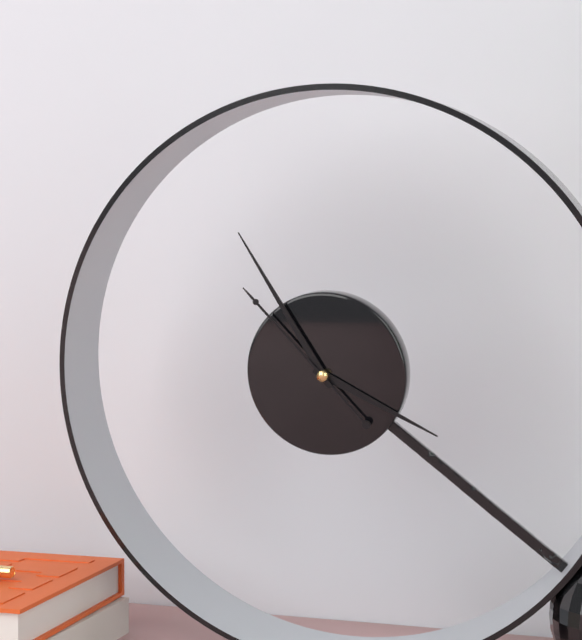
3:55:53
